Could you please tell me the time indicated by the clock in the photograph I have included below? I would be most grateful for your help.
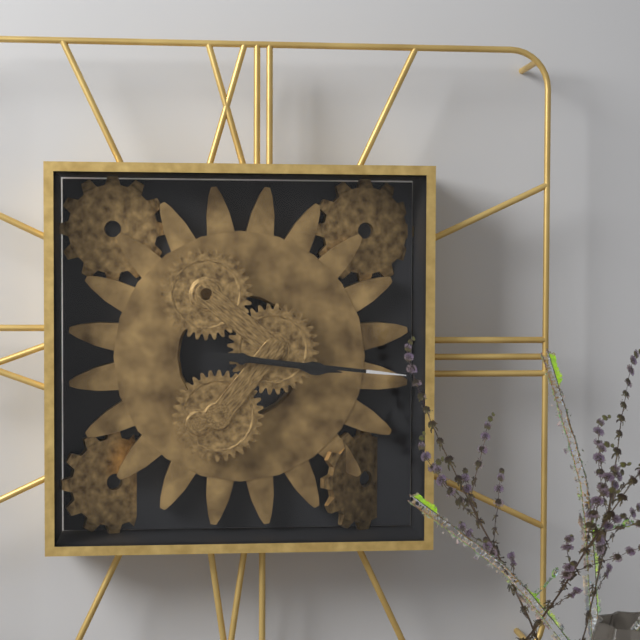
3:16
